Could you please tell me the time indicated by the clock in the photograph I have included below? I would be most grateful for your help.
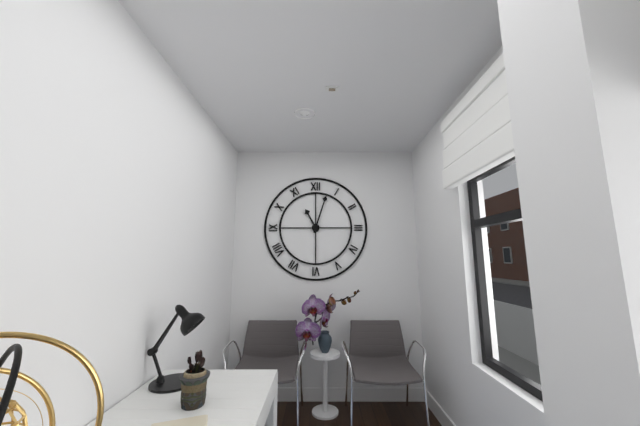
11:03
